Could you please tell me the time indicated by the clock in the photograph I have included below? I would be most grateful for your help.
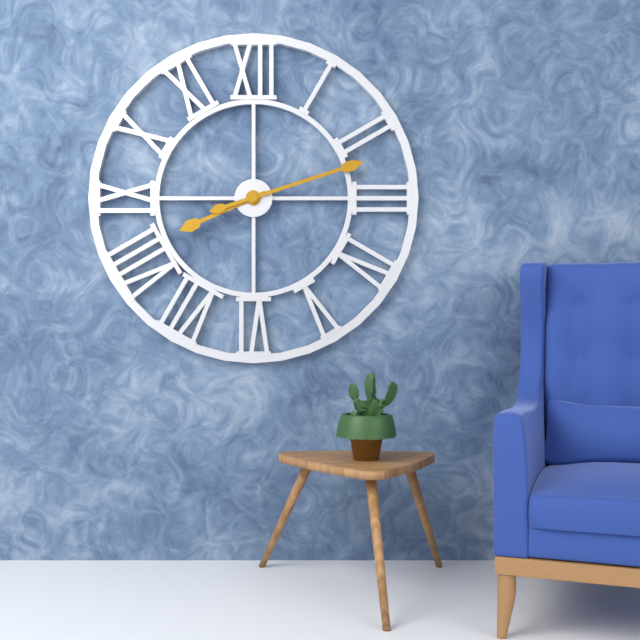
8:12
